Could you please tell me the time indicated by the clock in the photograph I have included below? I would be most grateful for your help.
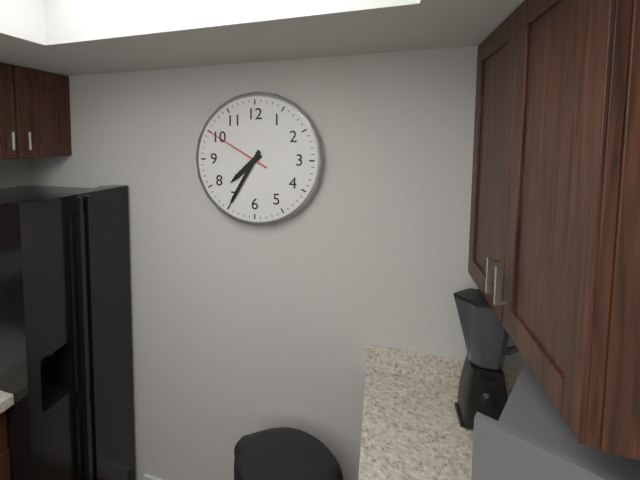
7:35:50
